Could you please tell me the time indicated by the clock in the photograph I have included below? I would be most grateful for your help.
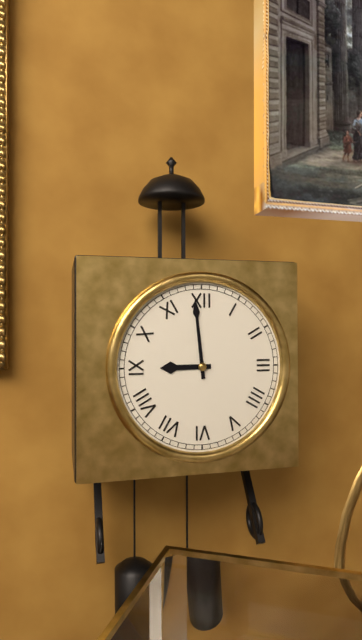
8:59
